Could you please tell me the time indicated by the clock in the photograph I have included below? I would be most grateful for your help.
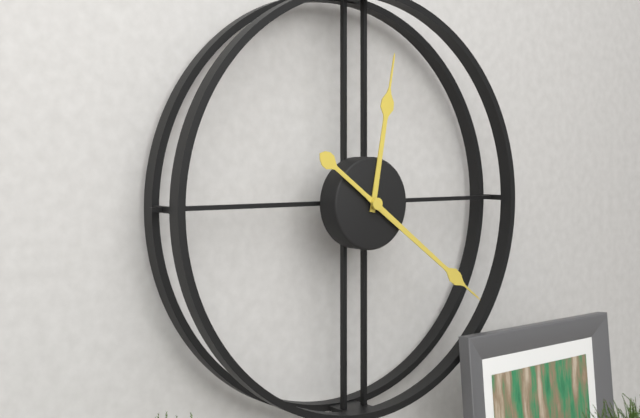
12:21
